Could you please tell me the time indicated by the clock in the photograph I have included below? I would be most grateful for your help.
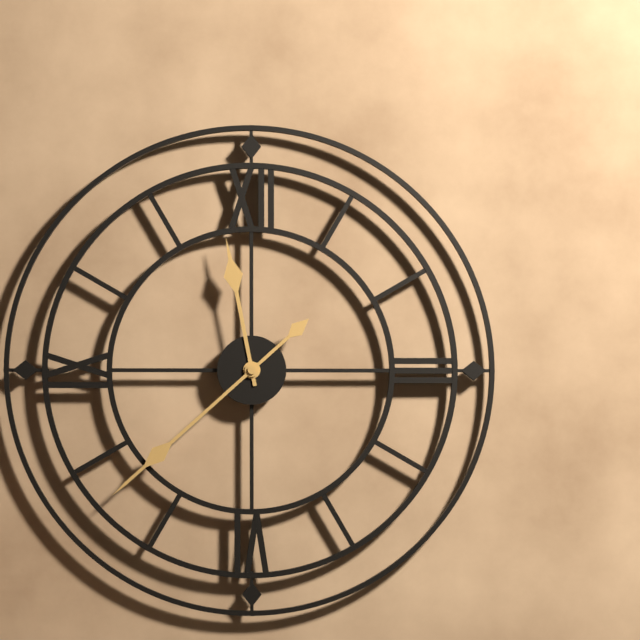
11:38
